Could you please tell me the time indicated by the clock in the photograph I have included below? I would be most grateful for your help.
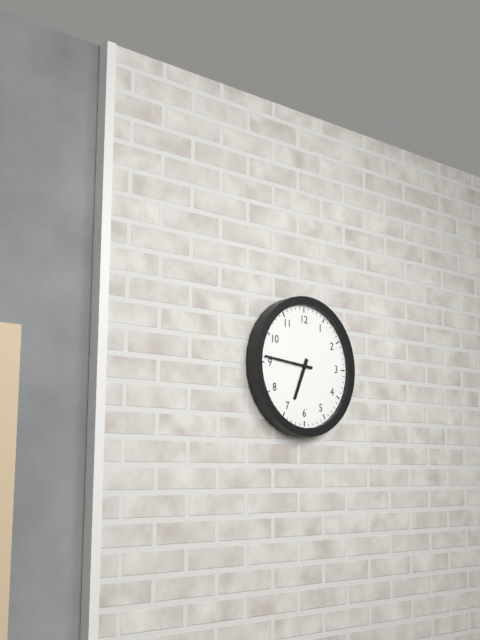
6:46
